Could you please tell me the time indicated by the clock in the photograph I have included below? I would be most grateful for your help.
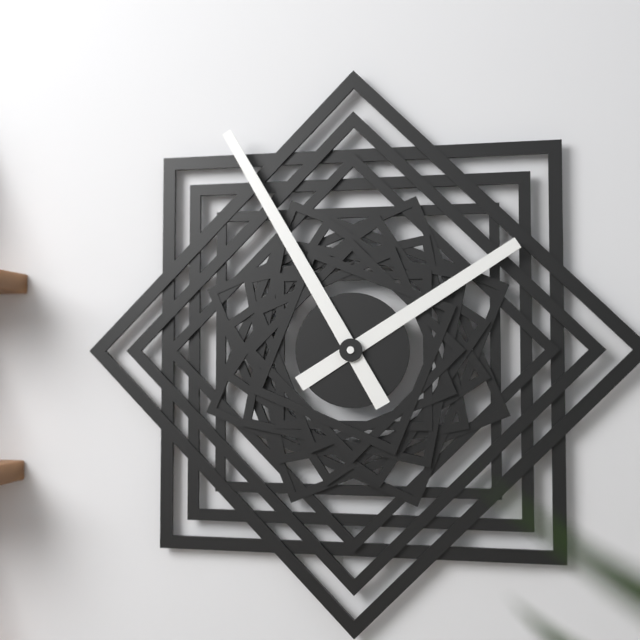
1:55
